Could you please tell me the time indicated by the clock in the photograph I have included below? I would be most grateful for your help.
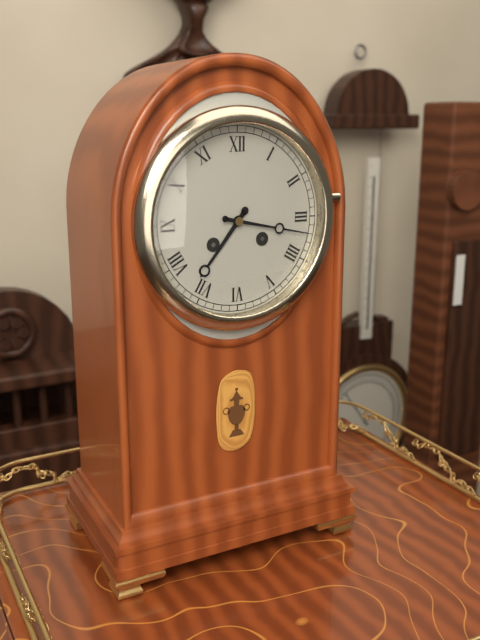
7:17
